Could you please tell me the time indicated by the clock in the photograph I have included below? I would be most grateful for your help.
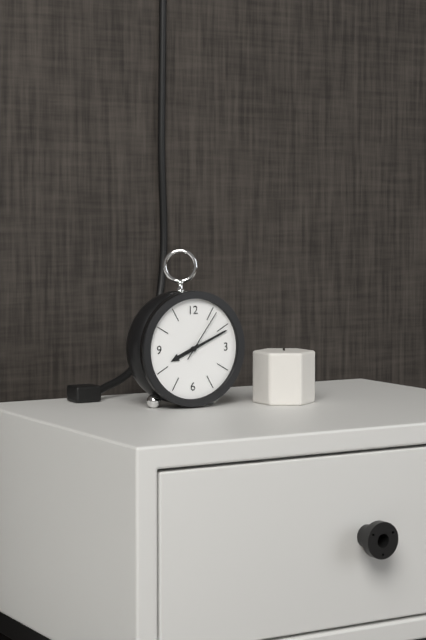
8:11:06
